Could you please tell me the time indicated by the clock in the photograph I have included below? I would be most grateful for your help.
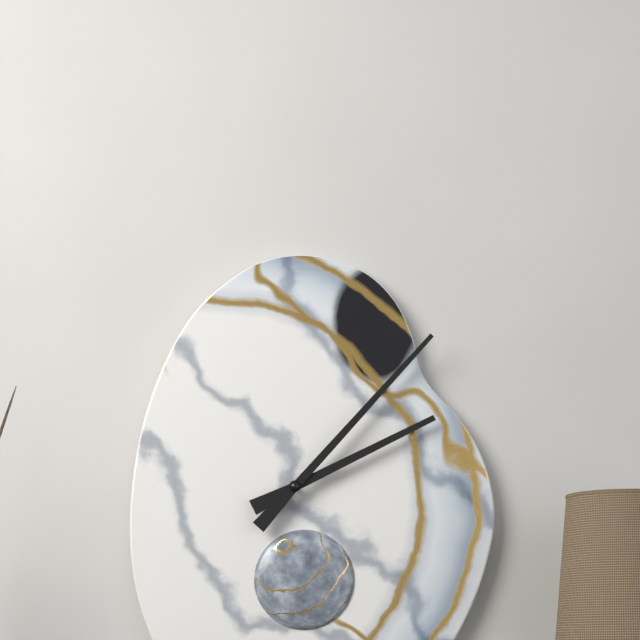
2:07
